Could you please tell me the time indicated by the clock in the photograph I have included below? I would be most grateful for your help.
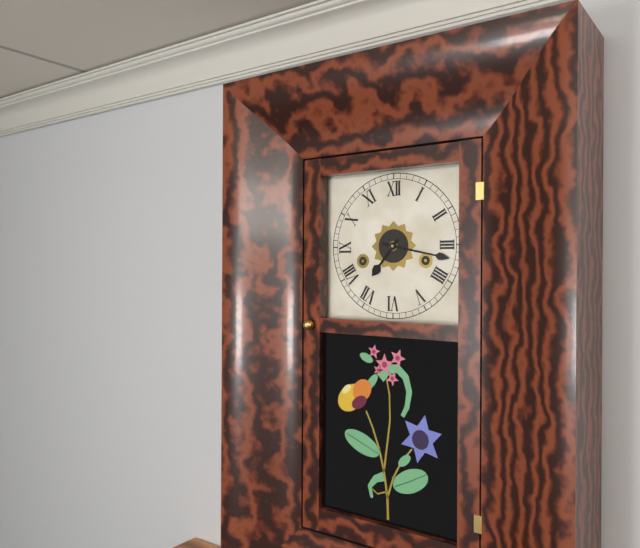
7:17
